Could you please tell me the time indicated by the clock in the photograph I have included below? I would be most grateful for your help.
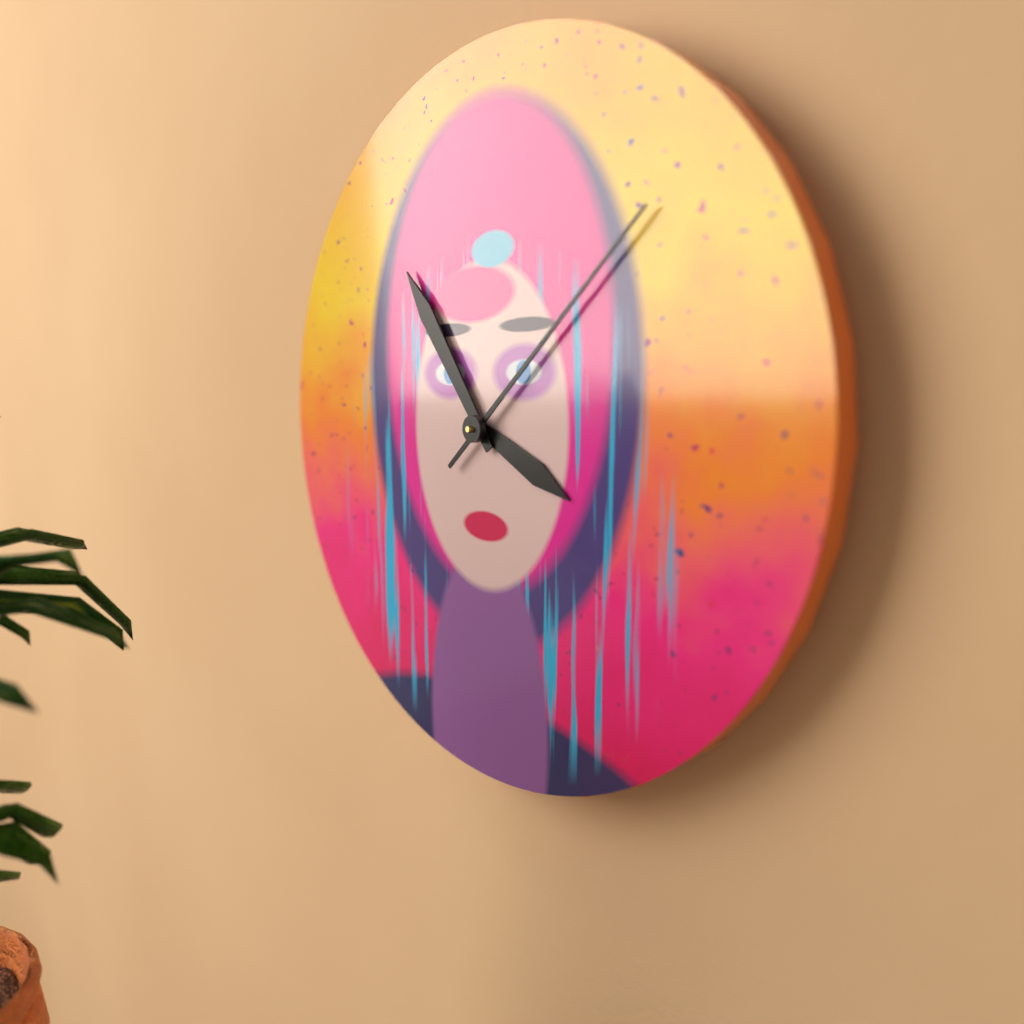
3:54:08
